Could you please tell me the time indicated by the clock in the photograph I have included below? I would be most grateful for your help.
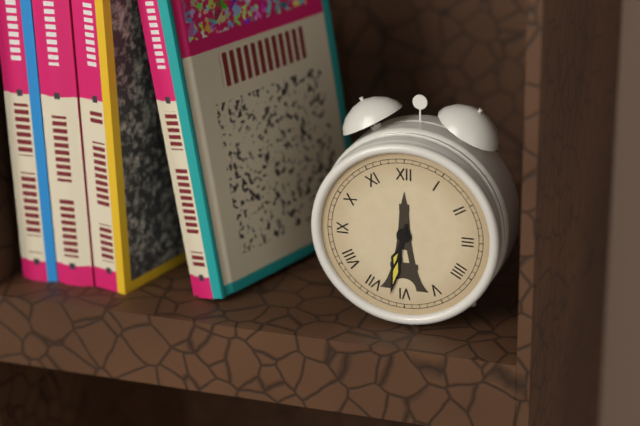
6:32
